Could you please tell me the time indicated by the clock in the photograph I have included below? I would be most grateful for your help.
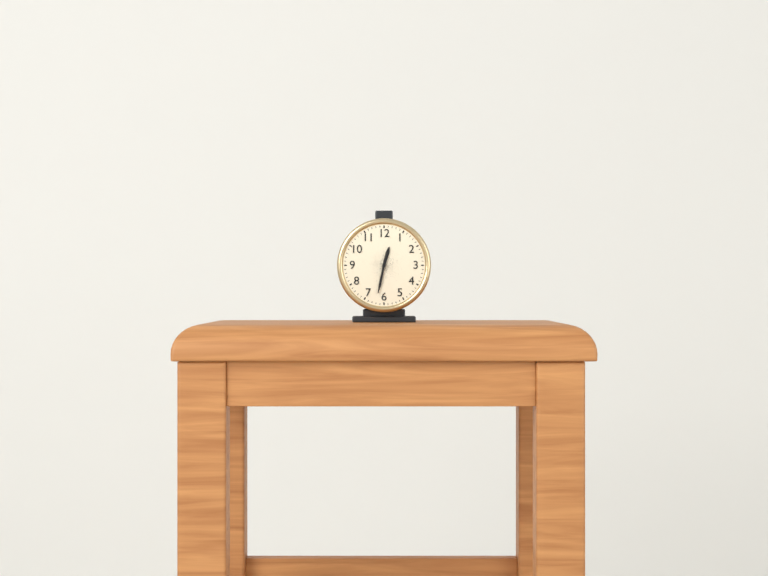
12:32
